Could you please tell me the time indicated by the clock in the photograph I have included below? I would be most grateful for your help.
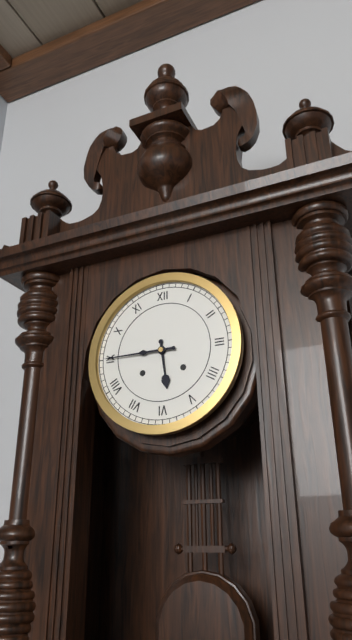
5:45
